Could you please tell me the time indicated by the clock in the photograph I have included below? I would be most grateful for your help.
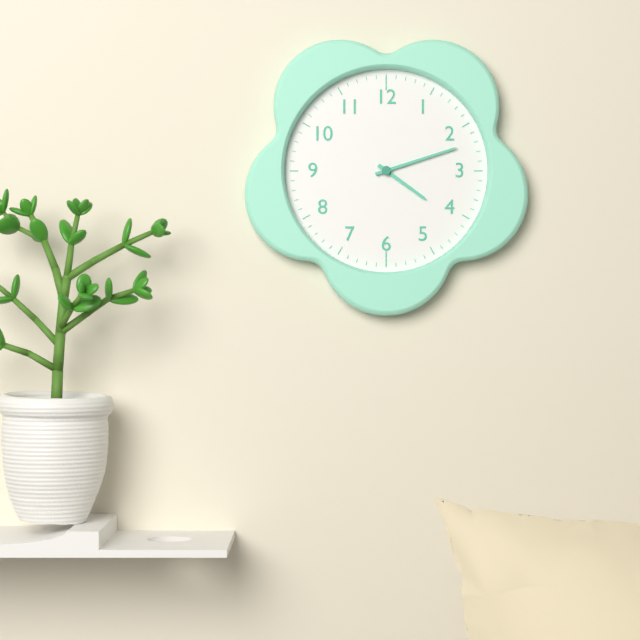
4:12
